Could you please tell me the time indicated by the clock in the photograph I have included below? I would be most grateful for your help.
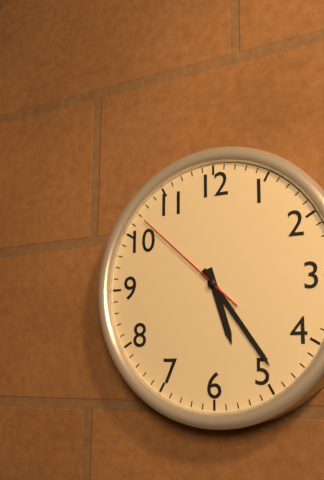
5:24:52
